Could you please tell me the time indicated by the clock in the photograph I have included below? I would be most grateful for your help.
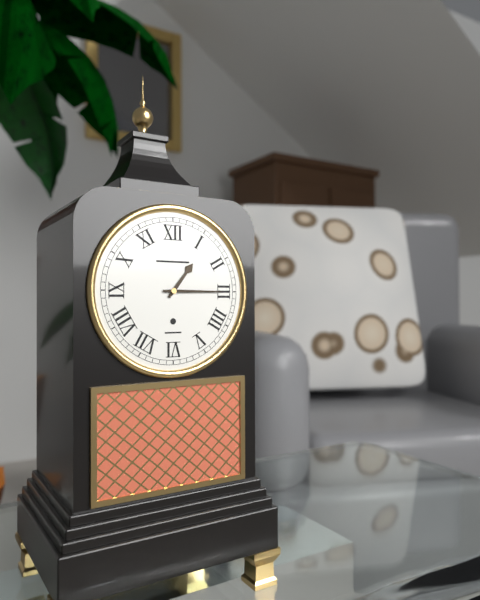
1:15
